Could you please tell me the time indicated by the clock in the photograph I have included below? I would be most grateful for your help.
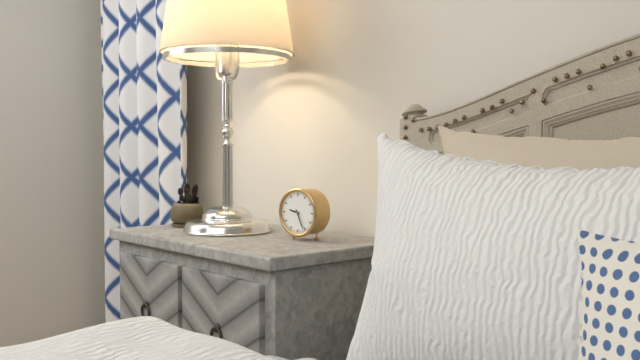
9:26
